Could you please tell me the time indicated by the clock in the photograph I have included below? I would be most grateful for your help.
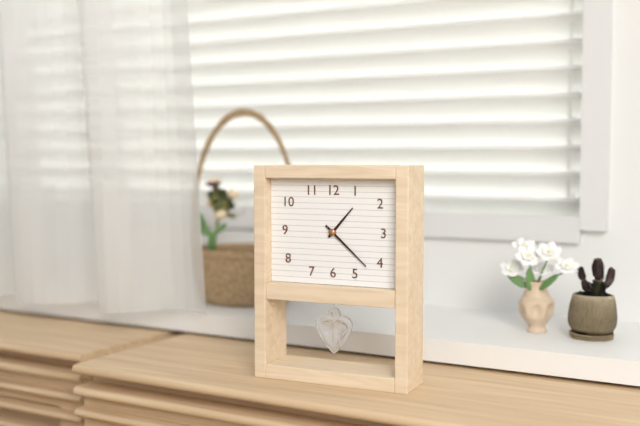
1:22
